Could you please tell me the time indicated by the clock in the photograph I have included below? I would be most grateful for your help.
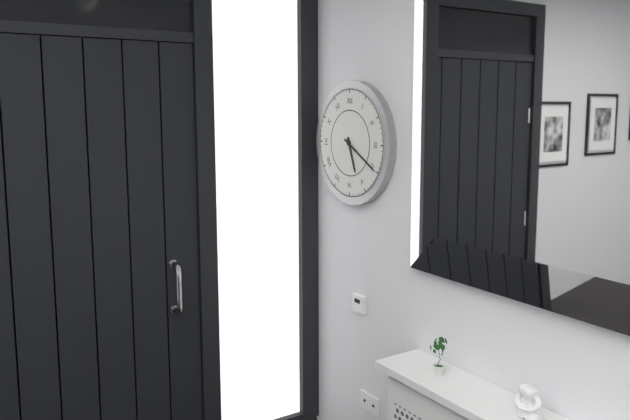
5:20
